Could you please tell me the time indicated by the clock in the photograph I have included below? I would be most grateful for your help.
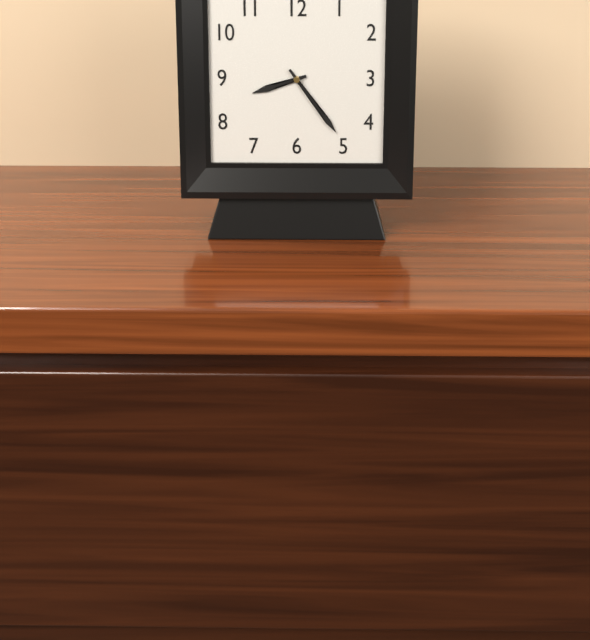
8:24
